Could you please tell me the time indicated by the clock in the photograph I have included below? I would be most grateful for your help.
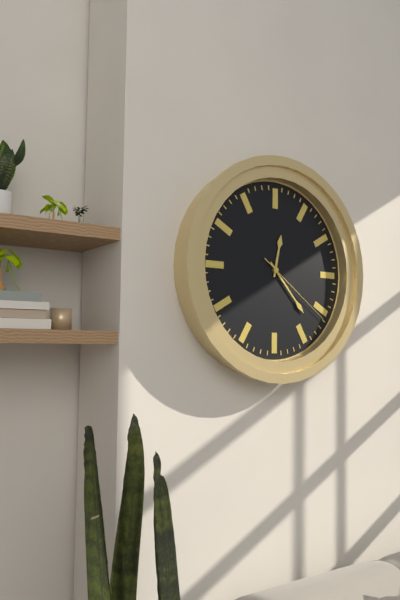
12:23:21
